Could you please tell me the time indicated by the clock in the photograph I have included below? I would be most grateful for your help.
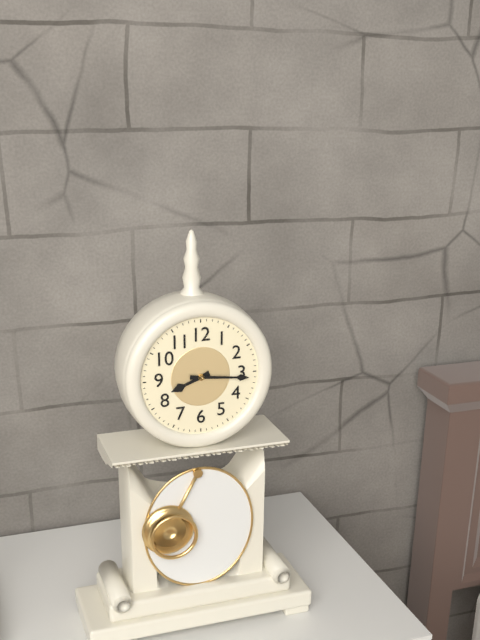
8:16
